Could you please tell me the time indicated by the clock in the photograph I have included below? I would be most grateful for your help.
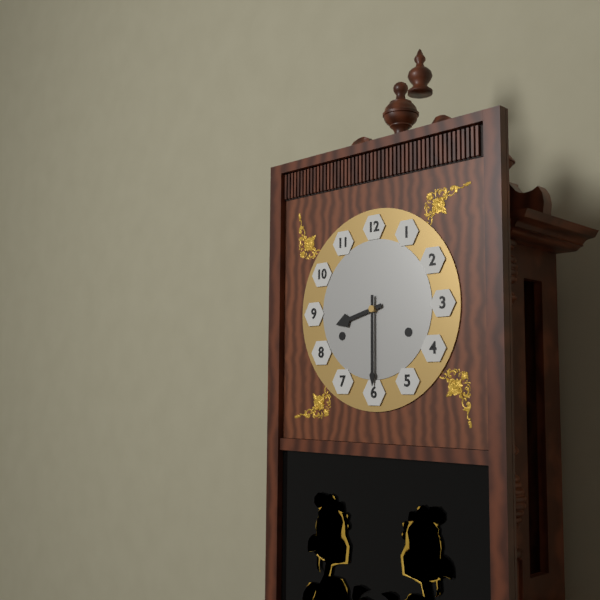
8:30
